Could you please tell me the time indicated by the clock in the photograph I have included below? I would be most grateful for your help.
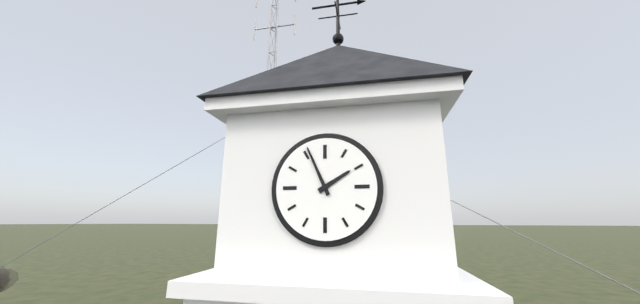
1:56
